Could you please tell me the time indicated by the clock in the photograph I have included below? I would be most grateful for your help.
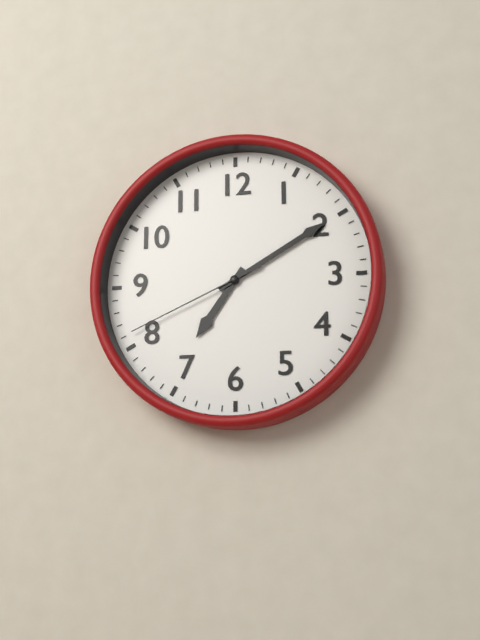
7:10:41
